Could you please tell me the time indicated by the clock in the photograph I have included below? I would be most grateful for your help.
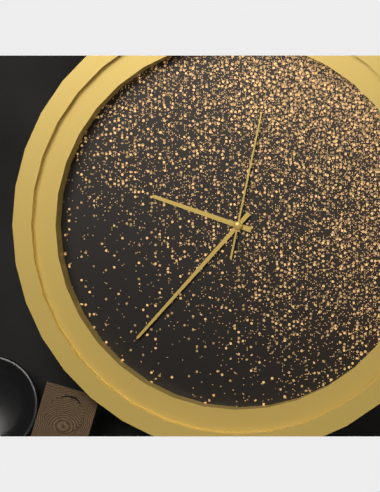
9:37:02
